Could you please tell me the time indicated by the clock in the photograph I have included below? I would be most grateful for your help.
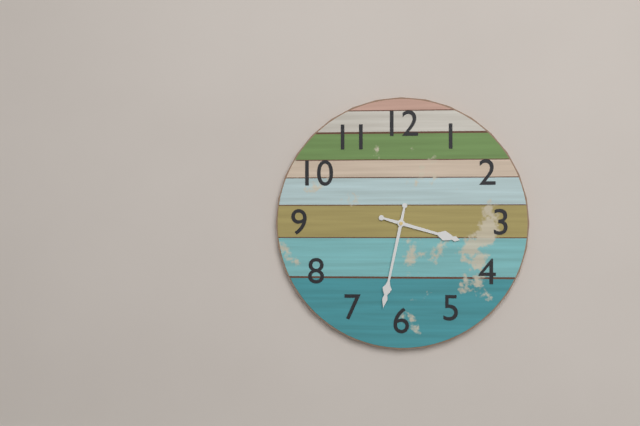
3:32
